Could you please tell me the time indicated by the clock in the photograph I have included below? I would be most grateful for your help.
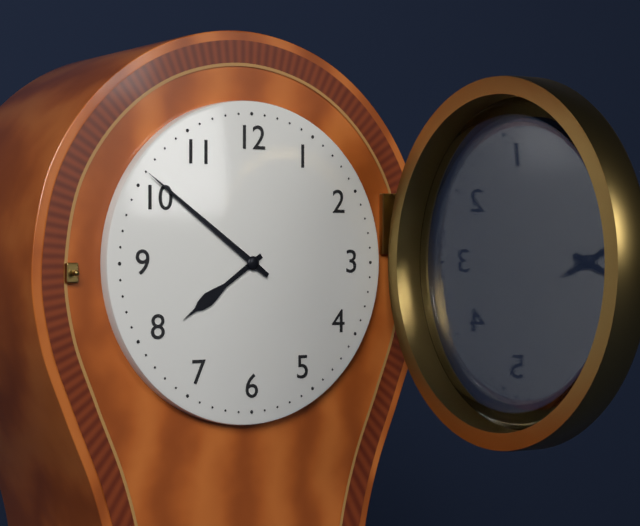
7:51
